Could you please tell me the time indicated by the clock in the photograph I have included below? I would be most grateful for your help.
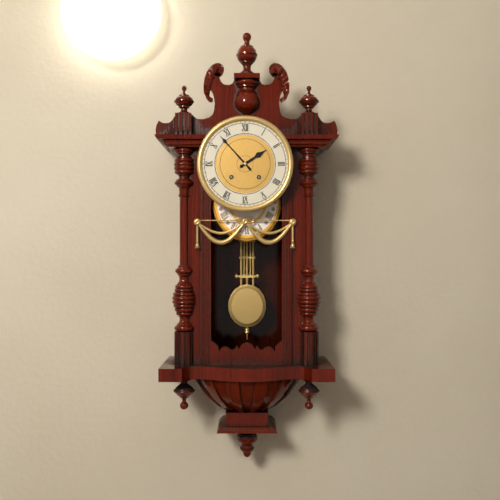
1:53
